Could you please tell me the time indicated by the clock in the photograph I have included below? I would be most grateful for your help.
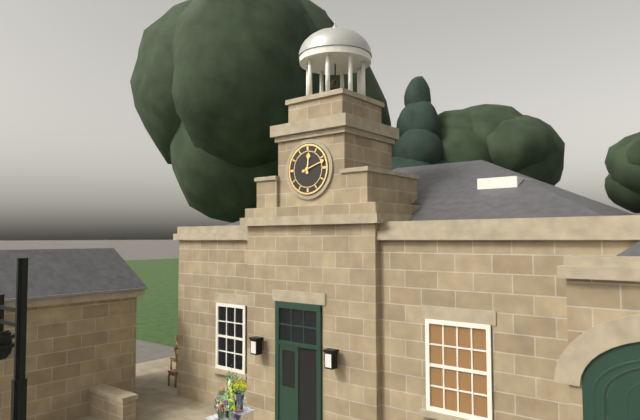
12:12
